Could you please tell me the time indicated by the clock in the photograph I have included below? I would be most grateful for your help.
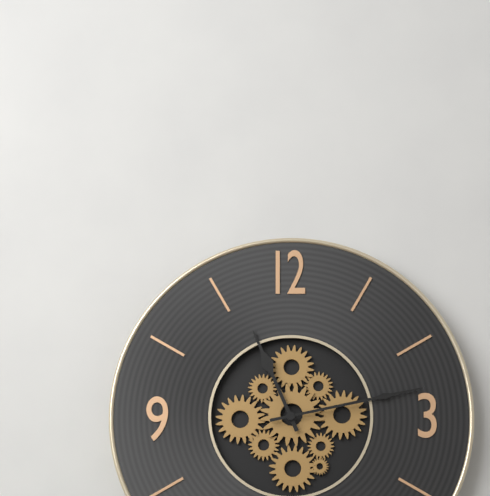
11:13
